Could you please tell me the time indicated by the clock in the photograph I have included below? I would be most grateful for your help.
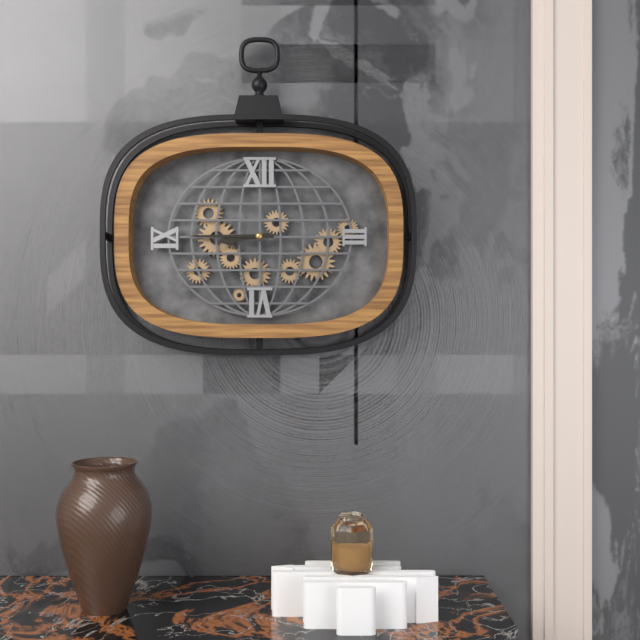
8:45
